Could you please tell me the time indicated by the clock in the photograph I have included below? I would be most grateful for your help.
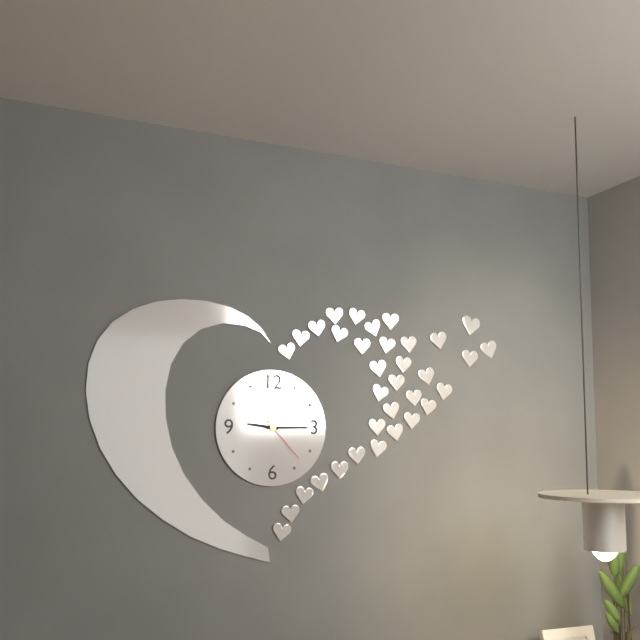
9:15:23
